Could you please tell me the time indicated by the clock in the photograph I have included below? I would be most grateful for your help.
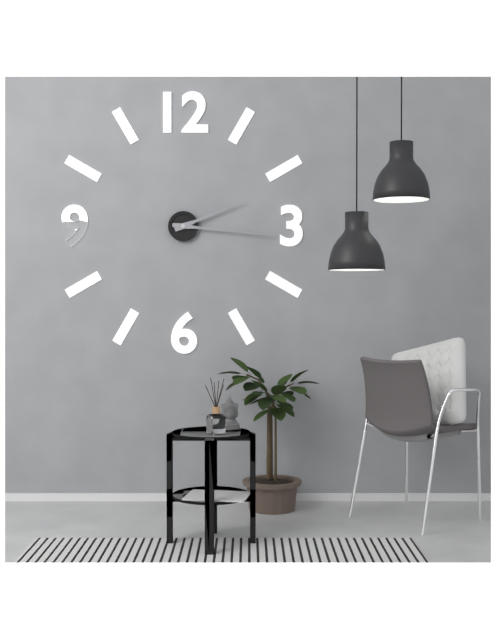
2:16
